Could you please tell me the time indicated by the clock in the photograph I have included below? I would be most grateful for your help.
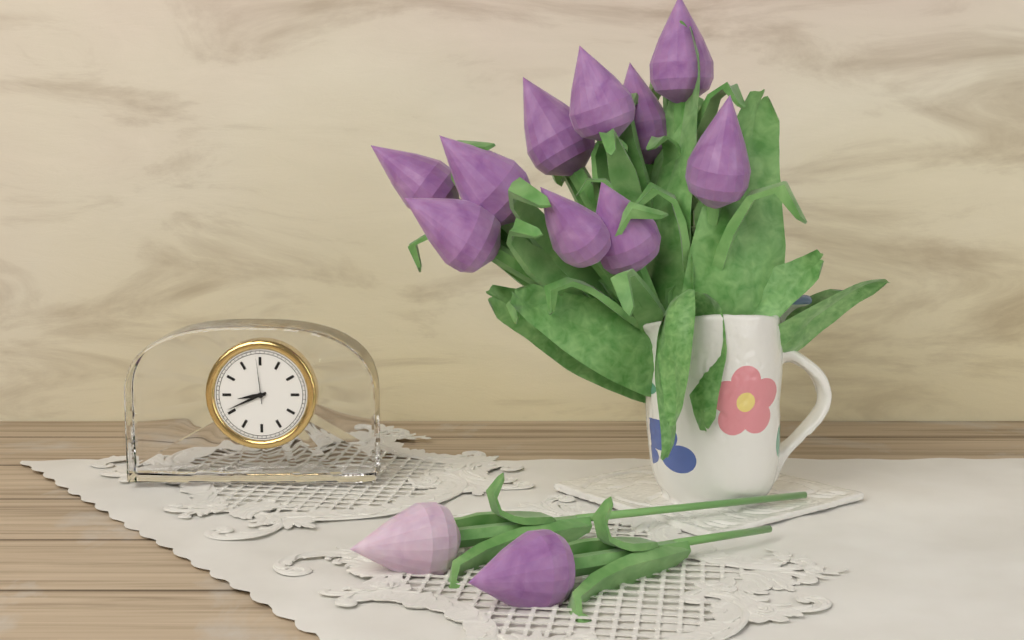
8:41
